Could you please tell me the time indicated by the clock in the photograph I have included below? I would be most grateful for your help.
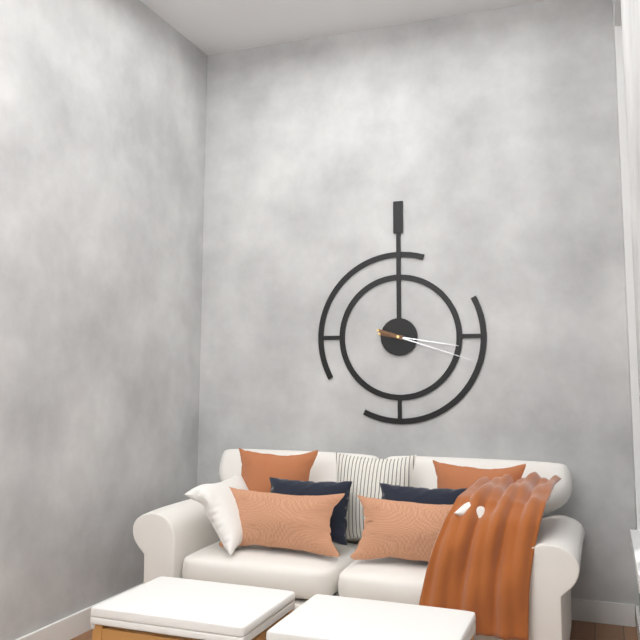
3:18
